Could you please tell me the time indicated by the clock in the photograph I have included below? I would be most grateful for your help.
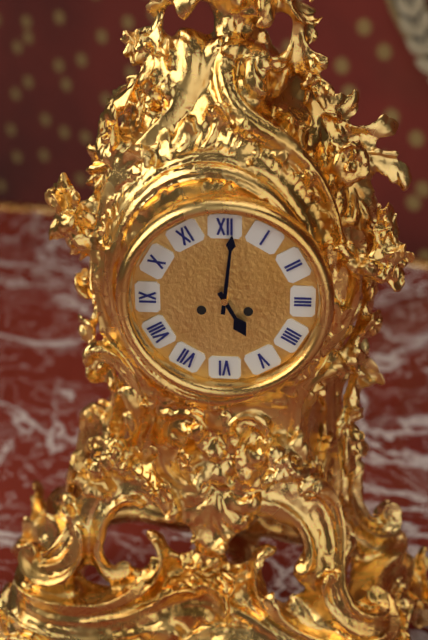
5:01
